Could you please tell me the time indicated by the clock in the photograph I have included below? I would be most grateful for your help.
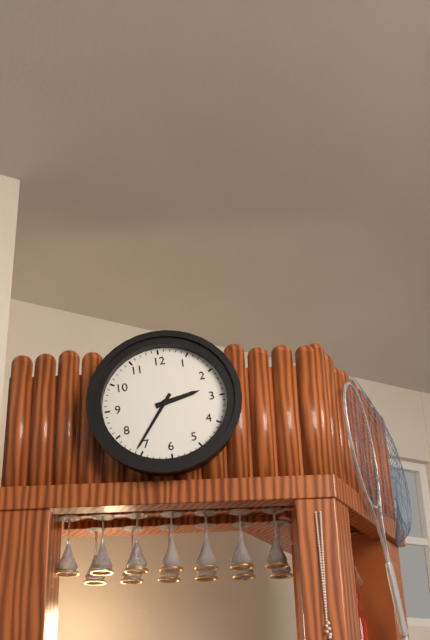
2:36
